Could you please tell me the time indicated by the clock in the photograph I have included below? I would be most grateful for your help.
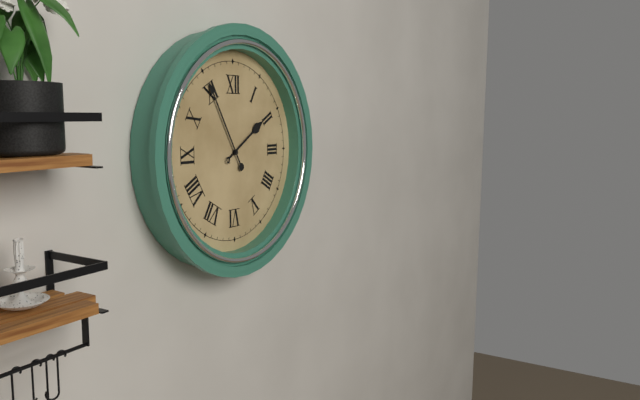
1:55
